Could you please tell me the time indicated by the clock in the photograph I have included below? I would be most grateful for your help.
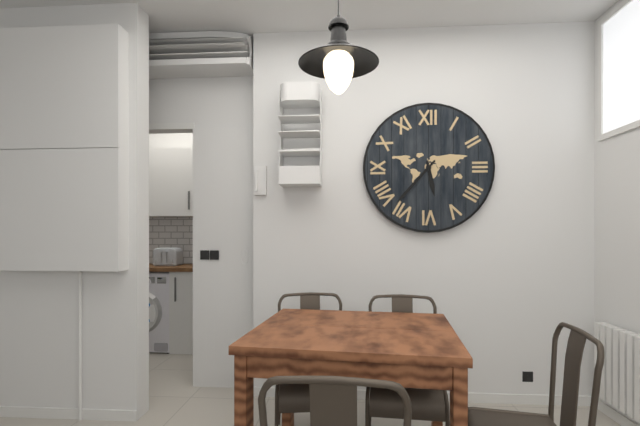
5:37
